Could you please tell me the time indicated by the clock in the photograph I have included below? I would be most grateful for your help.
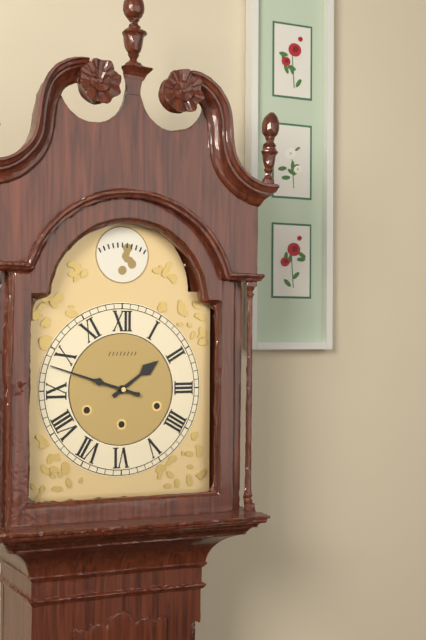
1:48
